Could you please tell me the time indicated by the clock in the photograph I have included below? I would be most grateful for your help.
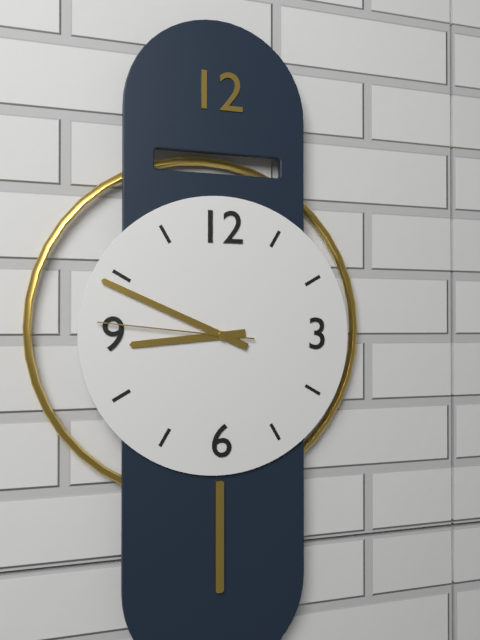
8:49:46
